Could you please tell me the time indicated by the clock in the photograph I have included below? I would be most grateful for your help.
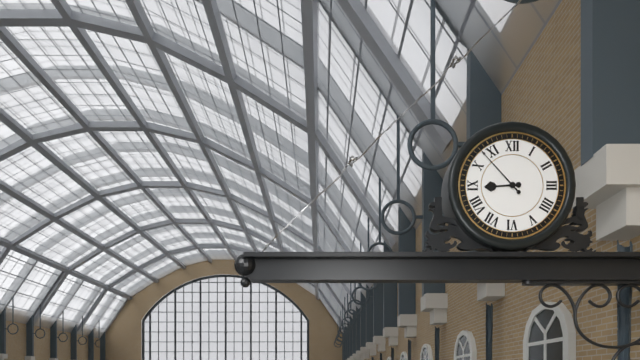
8:53
